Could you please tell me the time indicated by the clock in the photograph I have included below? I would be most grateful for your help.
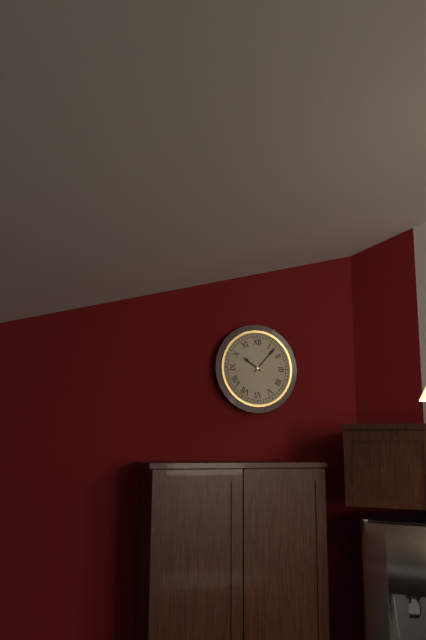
10:07
